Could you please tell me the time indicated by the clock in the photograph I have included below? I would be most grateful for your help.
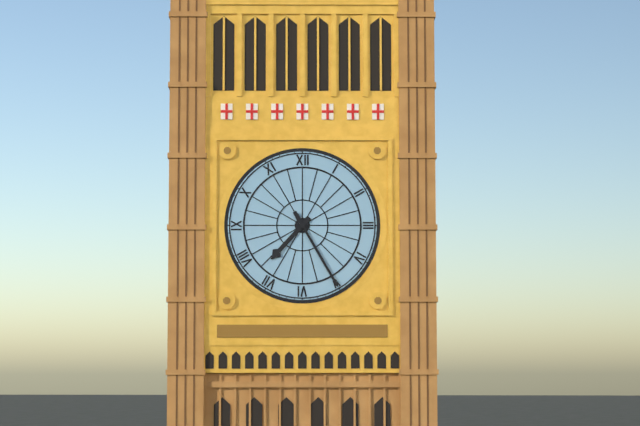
7:25
